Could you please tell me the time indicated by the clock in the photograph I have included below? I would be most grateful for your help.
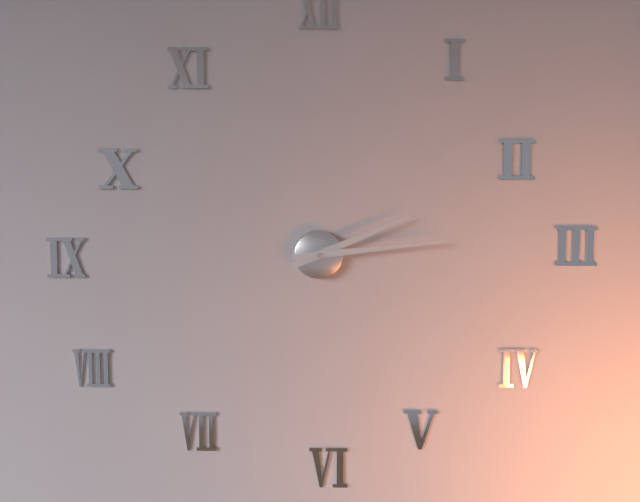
2:14
